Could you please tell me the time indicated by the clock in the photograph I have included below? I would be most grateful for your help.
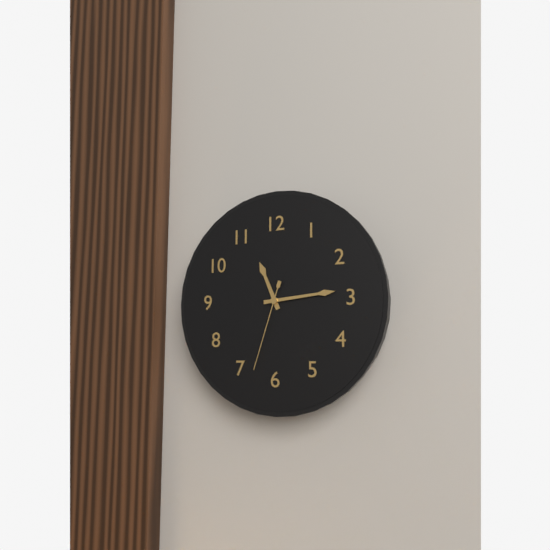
11:14:33
